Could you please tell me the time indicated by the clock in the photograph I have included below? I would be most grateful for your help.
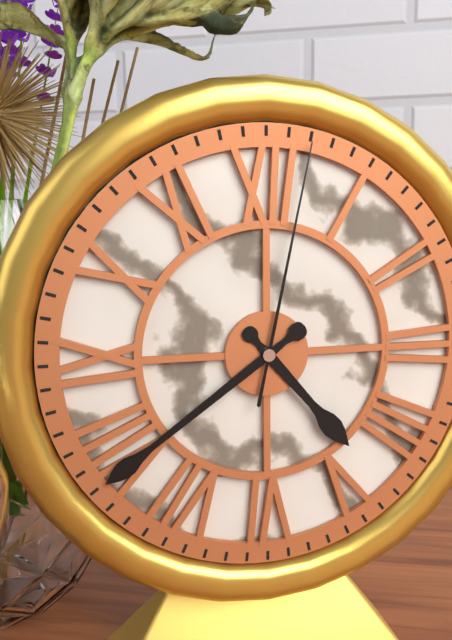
4:39:02
